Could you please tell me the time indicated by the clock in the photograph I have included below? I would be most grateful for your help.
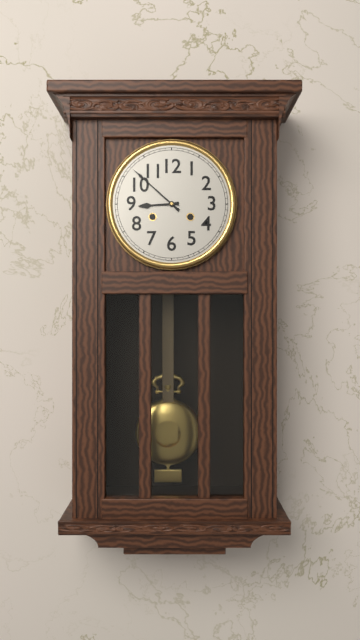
8:52
